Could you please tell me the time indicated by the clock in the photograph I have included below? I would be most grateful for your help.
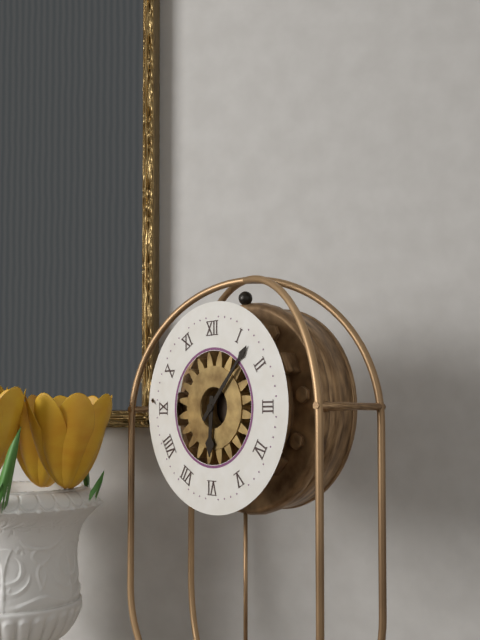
6:07
